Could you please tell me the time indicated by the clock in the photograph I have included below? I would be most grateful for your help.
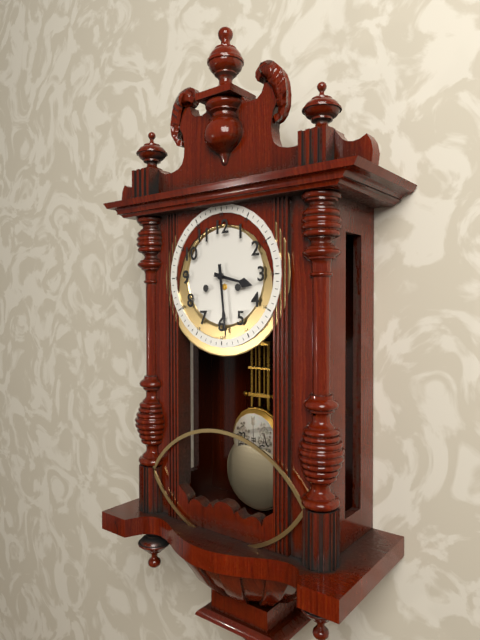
3:29
